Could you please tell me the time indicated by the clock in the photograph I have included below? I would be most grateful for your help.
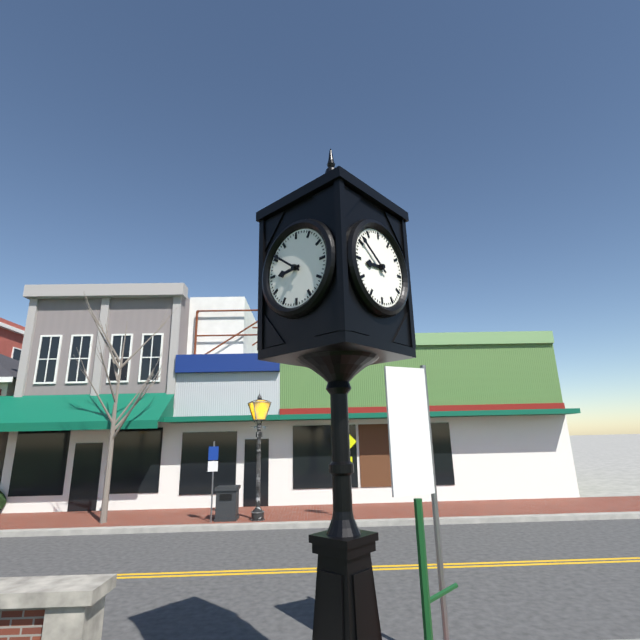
8:51
